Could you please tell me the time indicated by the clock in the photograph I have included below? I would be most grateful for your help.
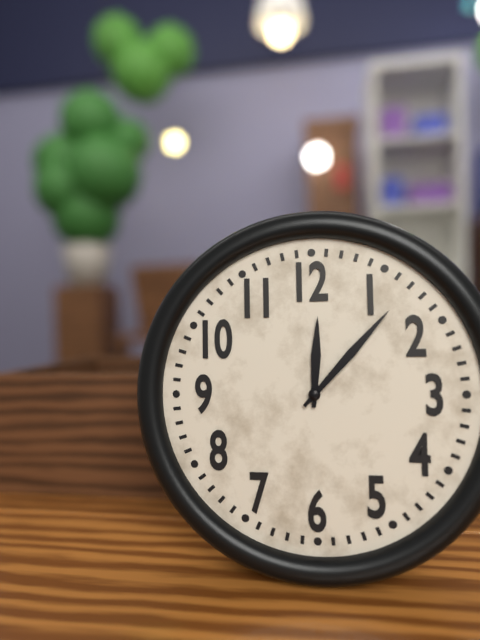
12:07
